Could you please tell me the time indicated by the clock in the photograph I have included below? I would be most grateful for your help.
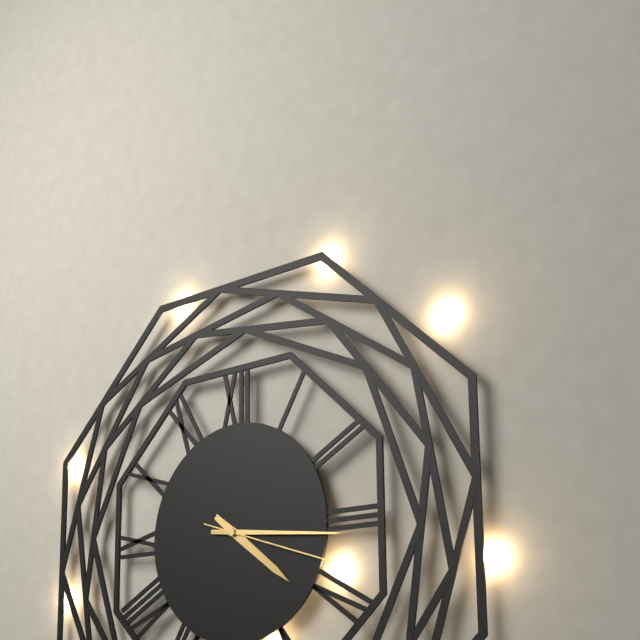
4:16:18
